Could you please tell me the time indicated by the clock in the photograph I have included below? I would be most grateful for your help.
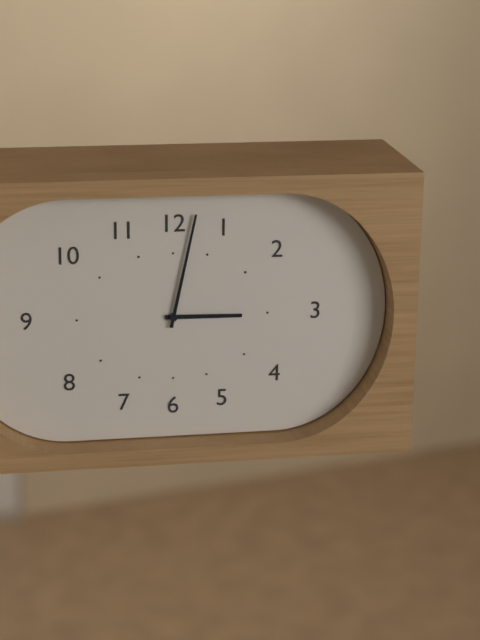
3:02
